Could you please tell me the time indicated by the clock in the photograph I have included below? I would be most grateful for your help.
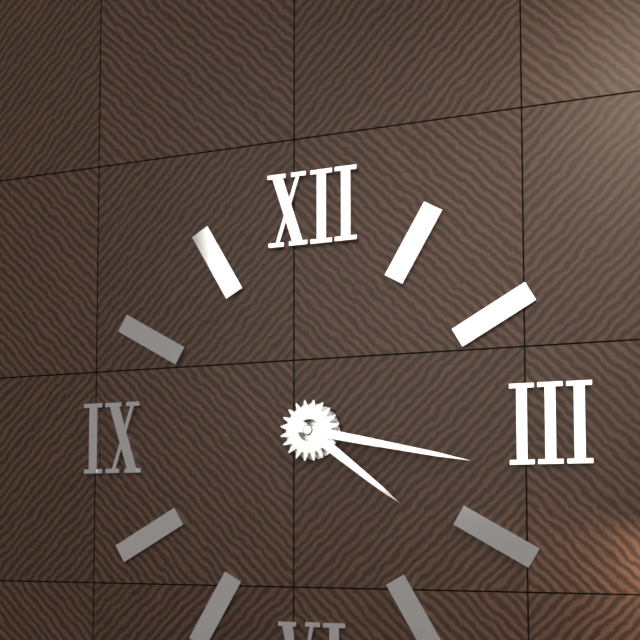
4:17
